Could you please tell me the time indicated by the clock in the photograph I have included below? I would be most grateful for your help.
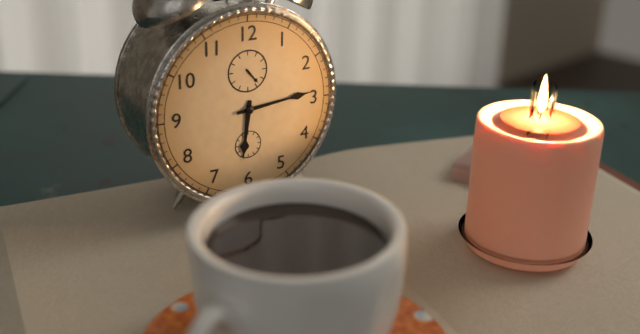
6:14
